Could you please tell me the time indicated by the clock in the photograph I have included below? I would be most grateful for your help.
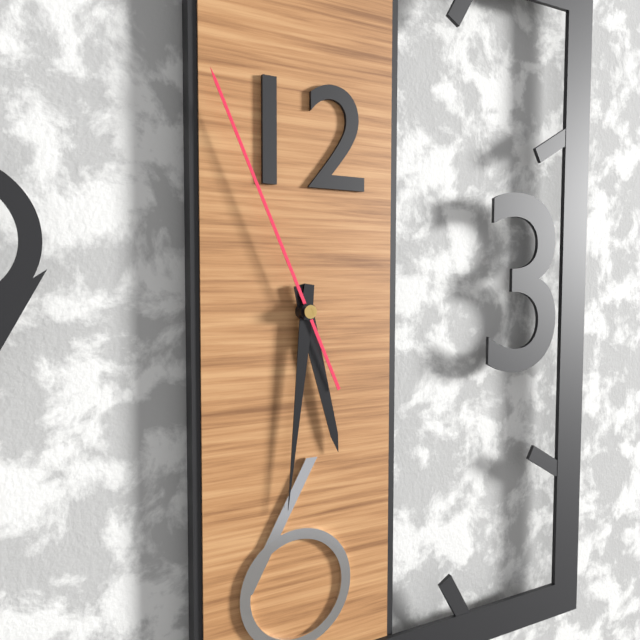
5:31:56
